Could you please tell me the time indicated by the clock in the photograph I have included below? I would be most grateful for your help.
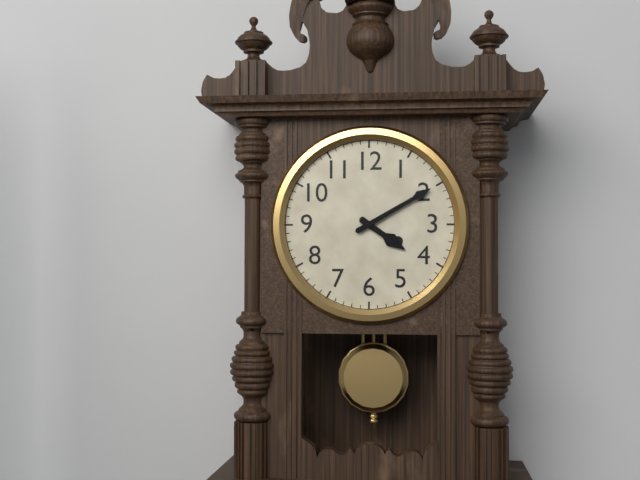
4:10
